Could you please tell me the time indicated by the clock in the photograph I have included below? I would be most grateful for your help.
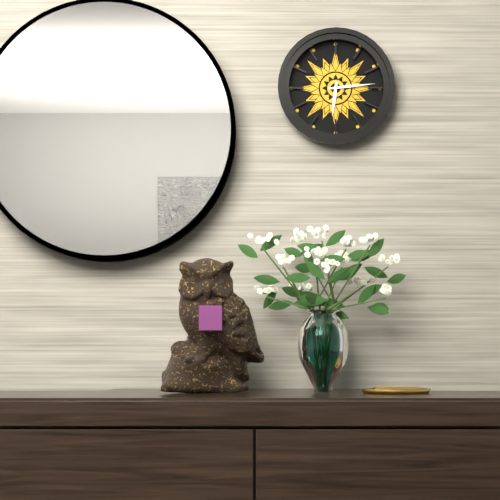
6:14
